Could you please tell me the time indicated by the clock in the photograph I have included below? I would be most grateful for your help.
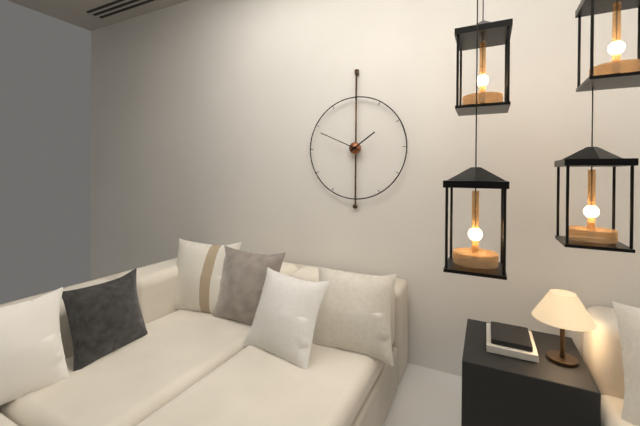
1:49
